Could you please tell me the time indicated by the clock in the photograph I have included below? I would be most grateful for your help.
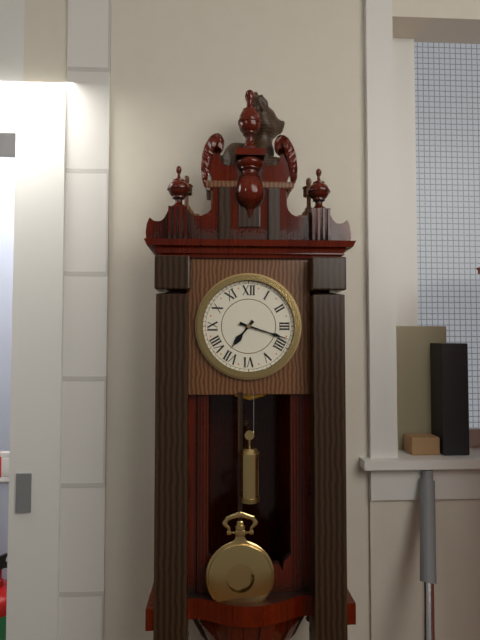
7:18
